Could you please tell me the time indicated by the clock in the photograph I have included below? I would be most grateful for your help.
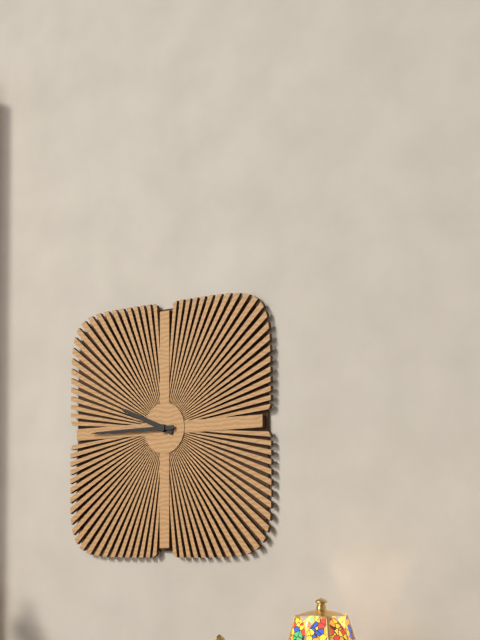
9:45
